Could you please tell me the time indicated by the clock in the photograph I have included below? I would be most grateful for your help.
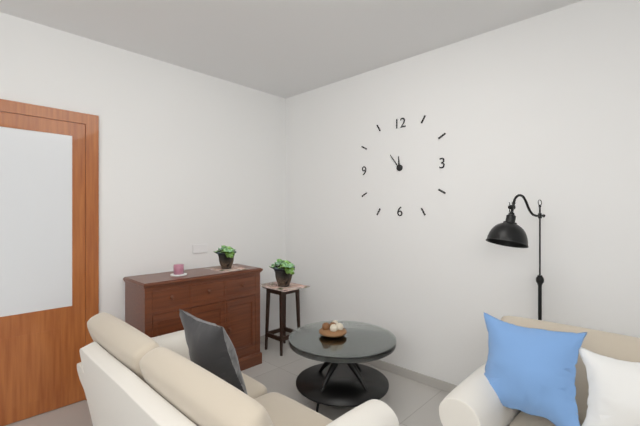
11:54
